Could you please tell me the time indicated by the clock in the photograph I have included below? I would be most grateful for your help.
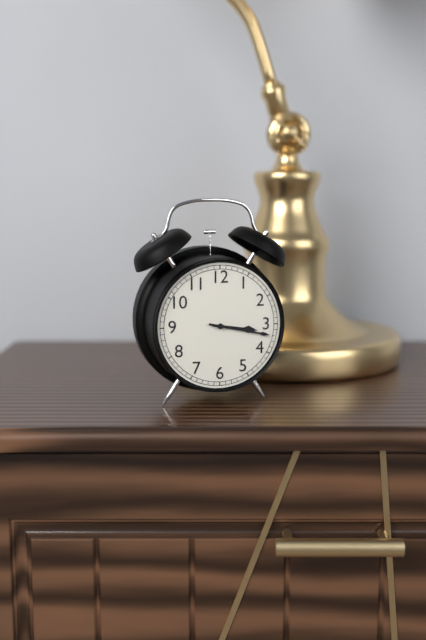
3:17
